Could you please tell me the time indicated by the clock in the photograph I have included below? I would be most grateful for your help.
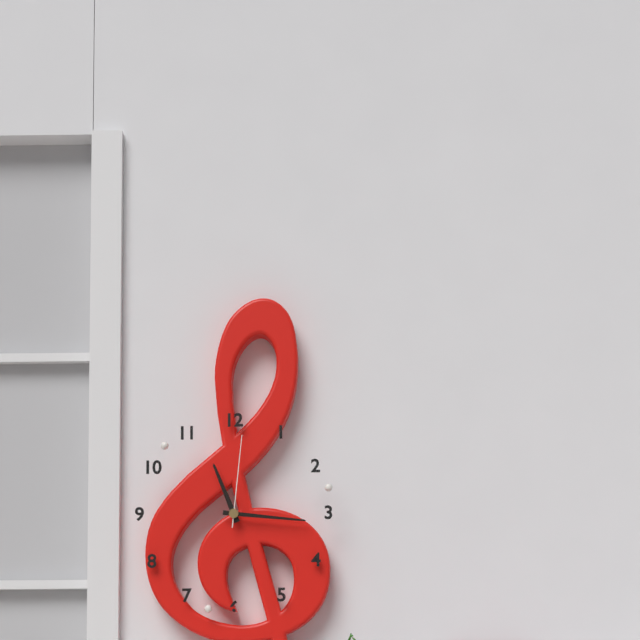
11:16:01
